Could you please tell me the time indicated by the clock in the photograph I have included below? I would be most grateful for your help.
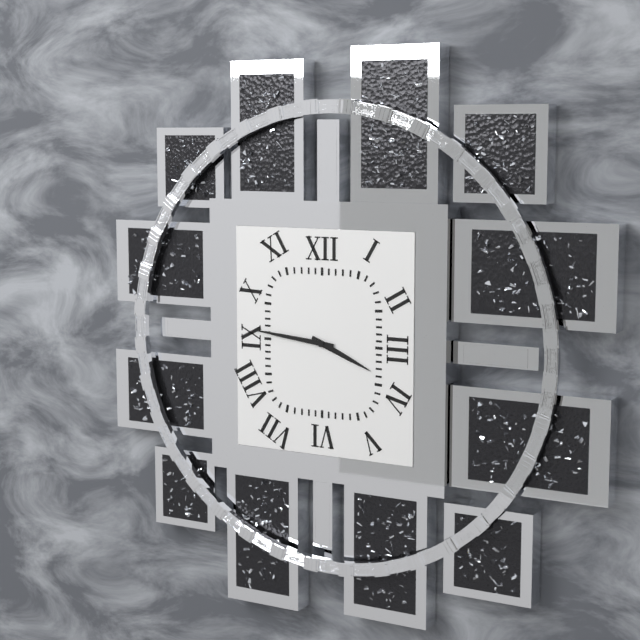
3:46
